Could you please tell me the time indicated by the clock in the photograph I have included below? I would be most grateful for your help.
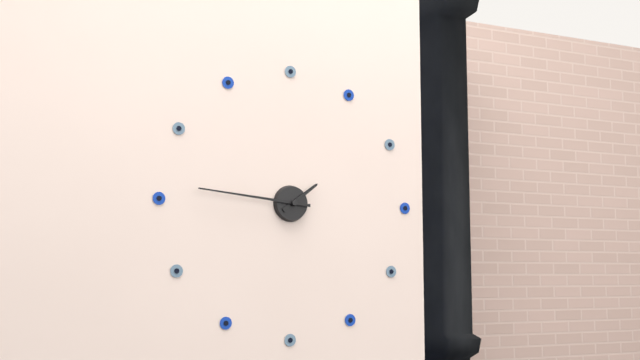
1:46
